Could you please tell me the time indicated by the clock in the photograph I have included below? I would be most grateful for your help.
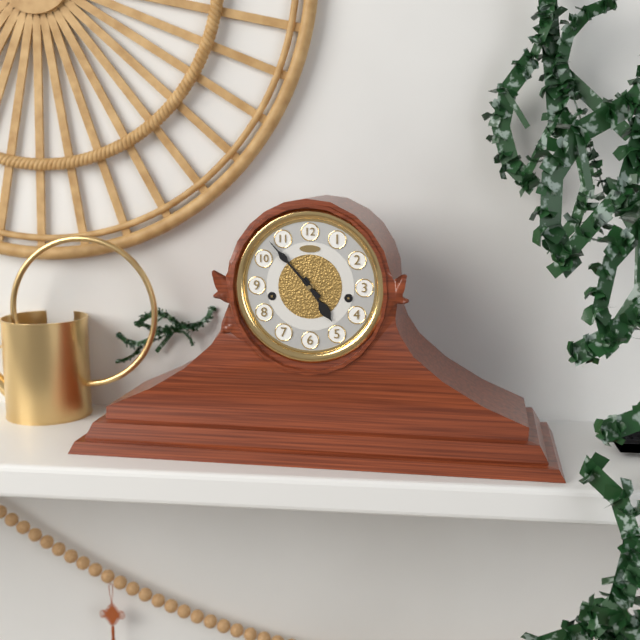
4:53
